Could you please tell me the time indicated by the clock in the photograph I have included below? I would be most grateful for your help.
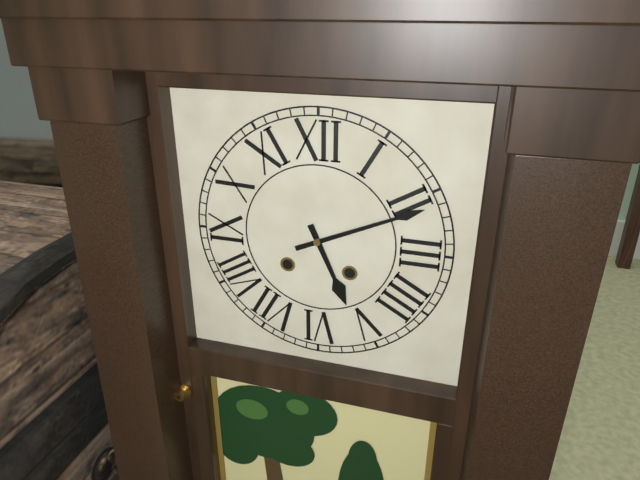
5:11
